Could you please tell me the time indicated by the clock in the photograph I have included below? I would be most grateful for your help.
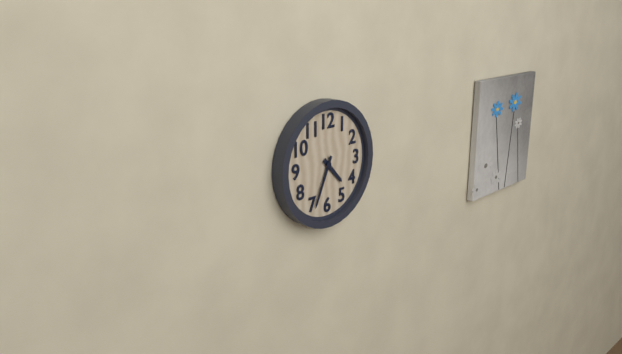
4:34
